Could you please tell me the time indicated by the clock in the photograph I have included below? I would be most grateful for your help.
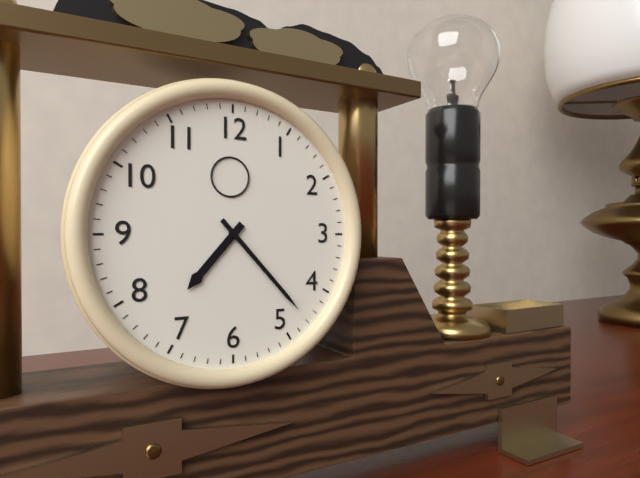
7:23
